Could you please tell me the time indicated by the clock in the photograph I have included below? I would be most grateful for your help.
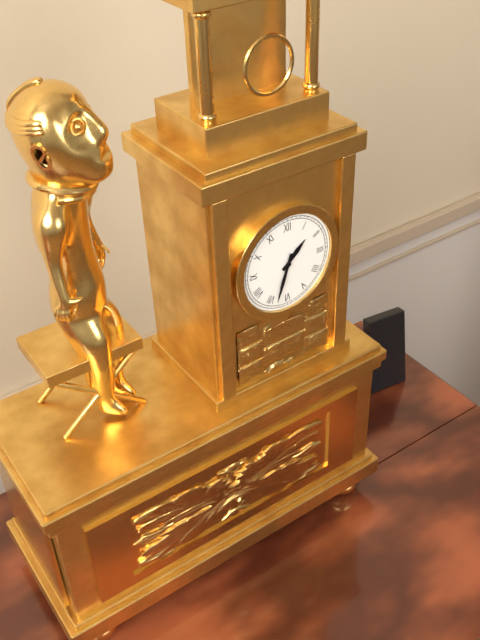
1:33
